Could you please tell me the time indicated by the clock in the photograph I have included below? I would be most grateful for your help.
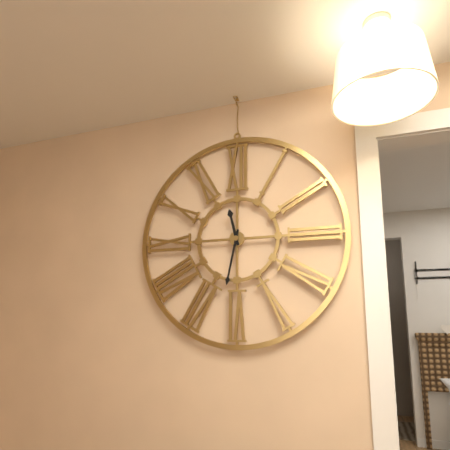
11:32
